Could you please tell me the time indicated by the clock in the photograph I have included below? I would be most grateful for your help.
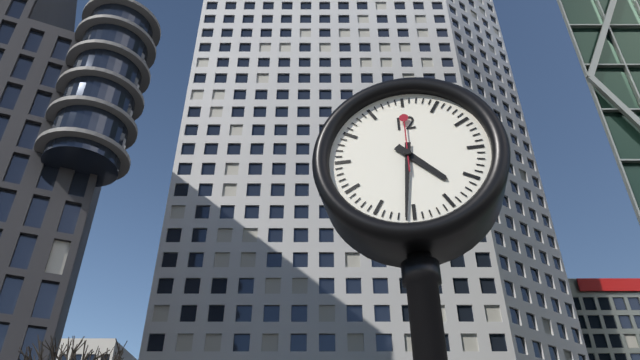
4:31
